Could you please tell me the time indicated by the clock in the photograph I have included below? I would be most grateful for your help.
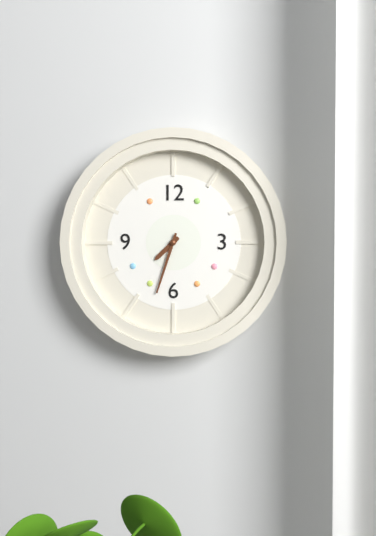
7:33
